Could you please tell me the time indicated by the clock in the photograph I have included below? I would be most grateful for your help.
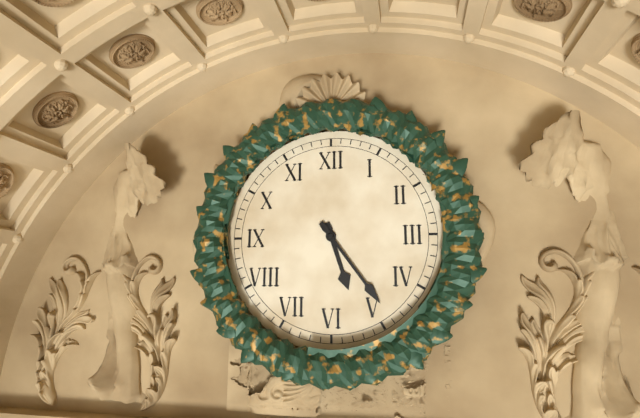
5:24
